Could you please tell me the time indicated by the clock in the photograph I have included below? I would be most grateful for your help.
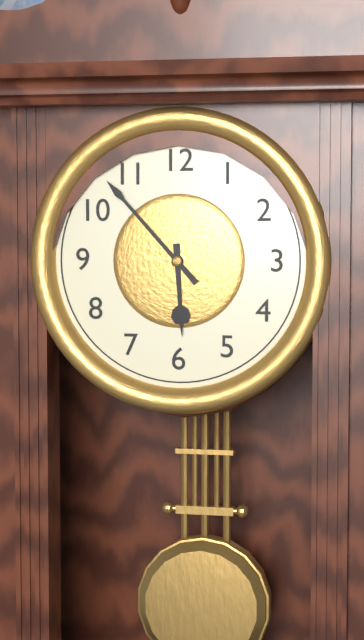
5:53
